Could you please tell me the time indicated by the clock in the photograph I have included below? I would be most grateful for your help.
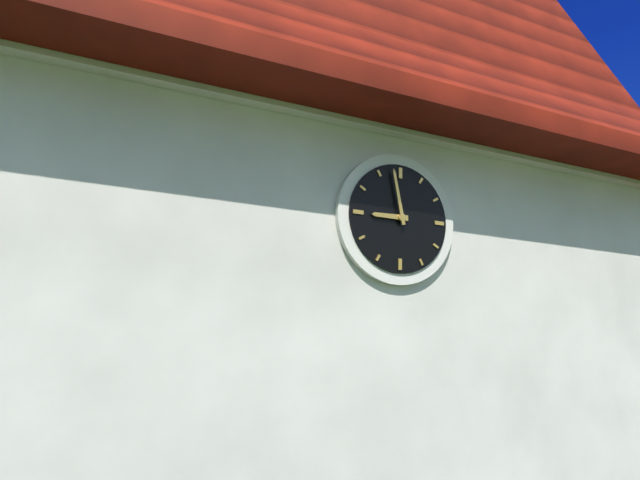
8:58
